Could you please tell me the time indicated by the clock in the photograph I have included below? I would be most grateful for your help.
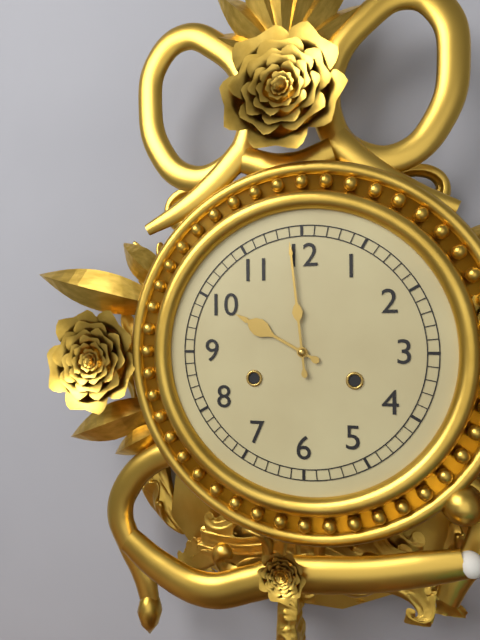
9:59
